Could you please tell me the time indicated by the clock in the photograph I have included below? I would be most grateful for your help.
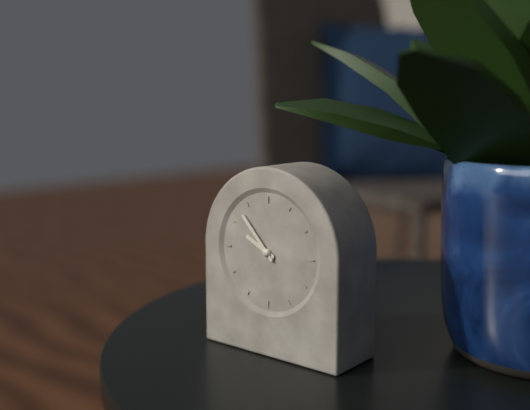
9:53
